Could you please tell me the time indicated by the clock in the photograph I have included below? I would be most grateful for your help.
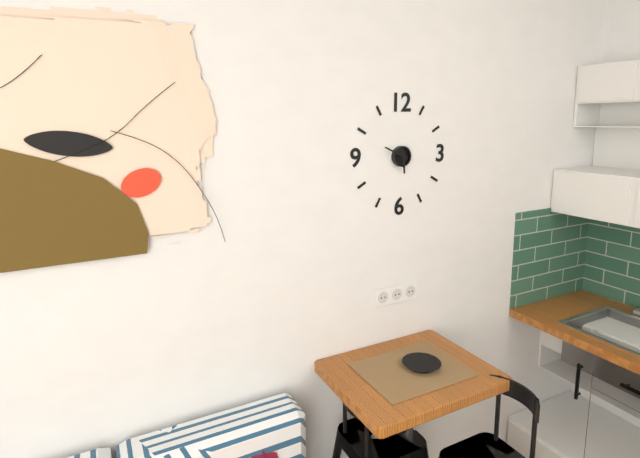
5:49
